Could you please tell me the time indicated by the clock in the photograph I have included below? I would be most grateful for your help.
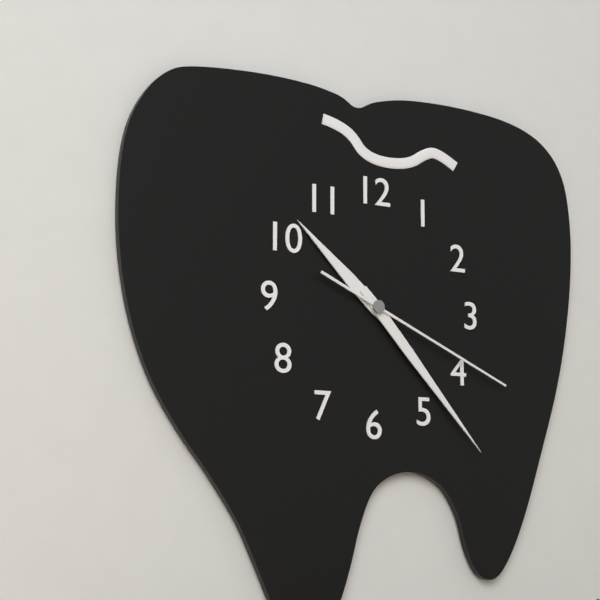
10:23:19
